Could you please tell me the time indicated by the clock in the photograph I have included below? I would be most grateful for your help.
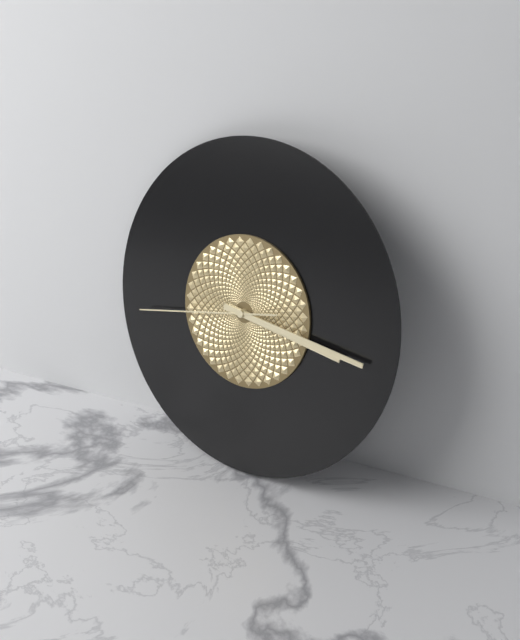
3:16:43
